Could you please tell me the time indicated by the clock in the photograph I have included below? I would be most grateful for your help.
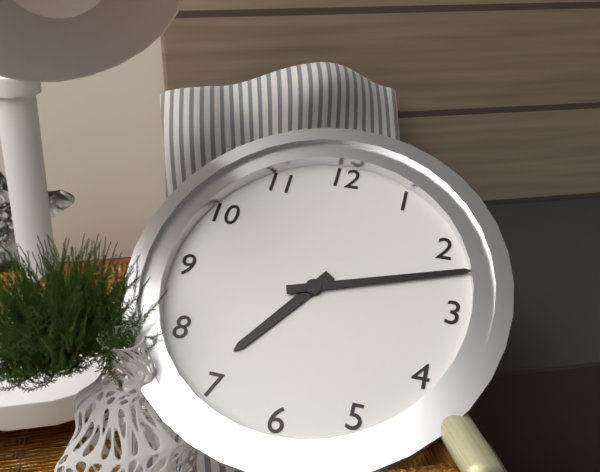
7:12
